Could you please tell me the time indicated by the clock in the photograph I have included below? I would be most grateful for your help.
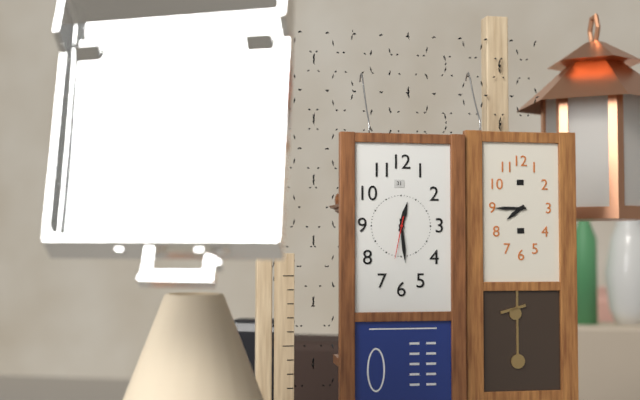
12:29
